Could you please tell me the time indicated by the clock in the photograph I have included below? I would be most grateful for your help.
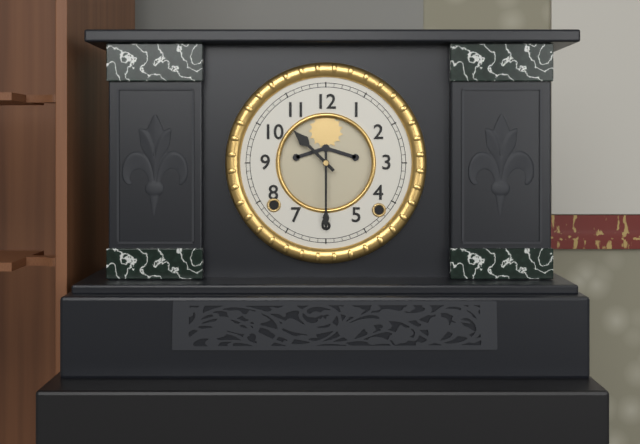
10:30
